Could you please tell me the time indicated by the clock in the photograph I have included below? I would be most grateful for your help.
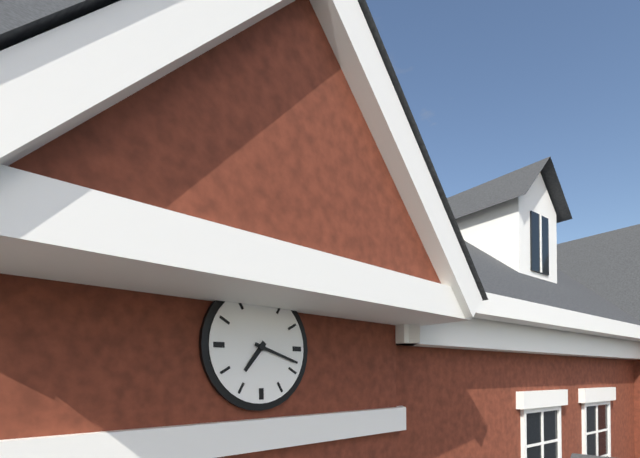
7:18
